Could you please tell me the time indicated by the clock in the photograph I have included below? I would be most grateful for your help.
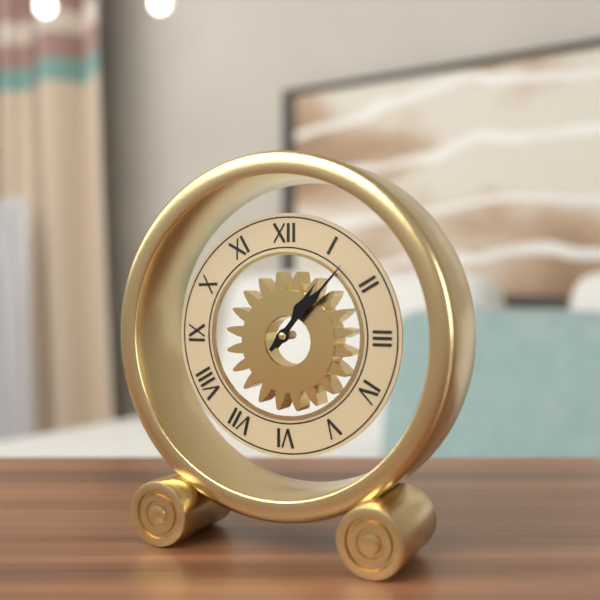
1:07
